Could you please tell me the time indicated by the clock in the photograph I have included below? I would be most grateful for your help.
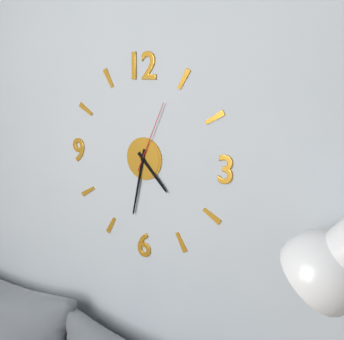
4:32:04
